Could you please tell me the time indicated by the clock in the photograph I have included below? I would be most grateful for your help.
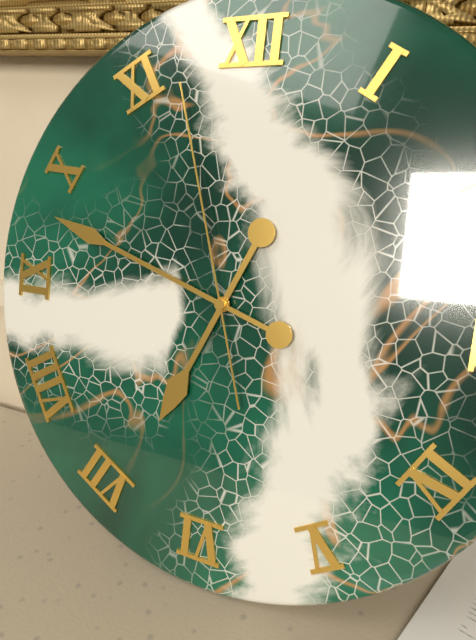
6:48:57
